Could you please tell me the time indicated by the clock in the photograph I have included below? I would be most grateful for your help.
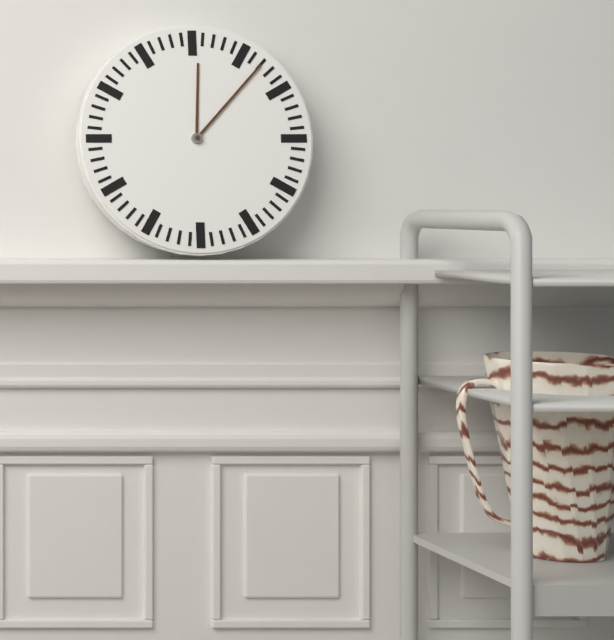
12:07
